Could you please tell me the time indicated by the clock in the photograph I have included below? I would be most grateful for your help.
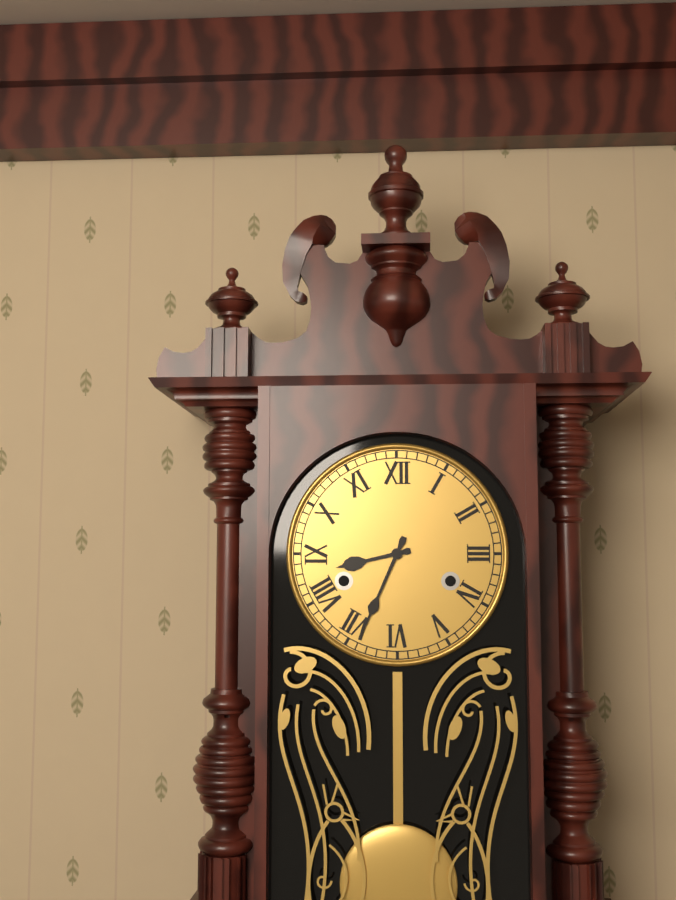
8:34
